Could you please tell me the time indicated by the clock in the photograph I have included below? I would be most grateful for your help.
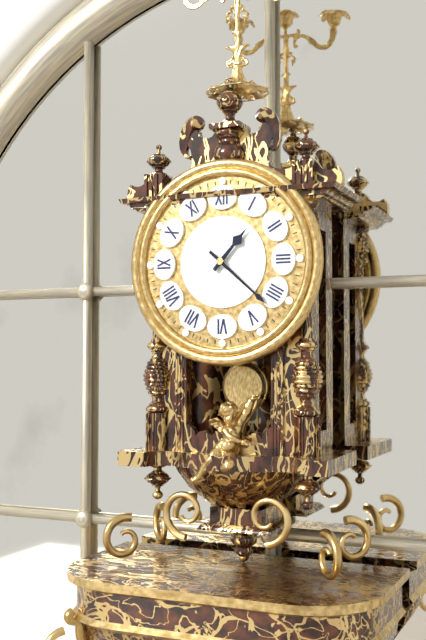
1:22
